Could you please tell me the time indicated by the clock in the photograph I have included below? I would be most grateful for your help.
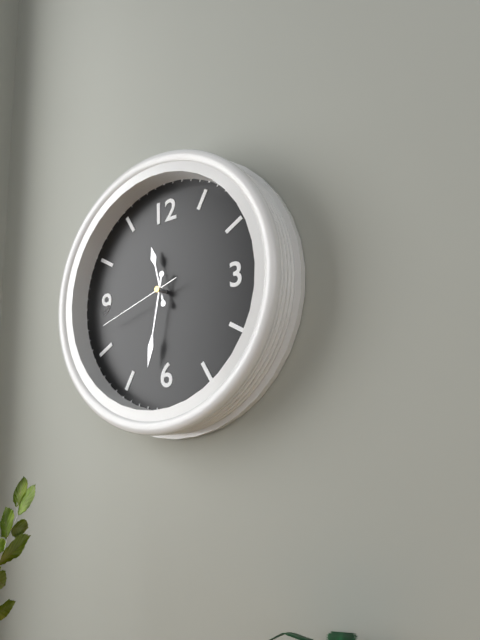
11:32:42
